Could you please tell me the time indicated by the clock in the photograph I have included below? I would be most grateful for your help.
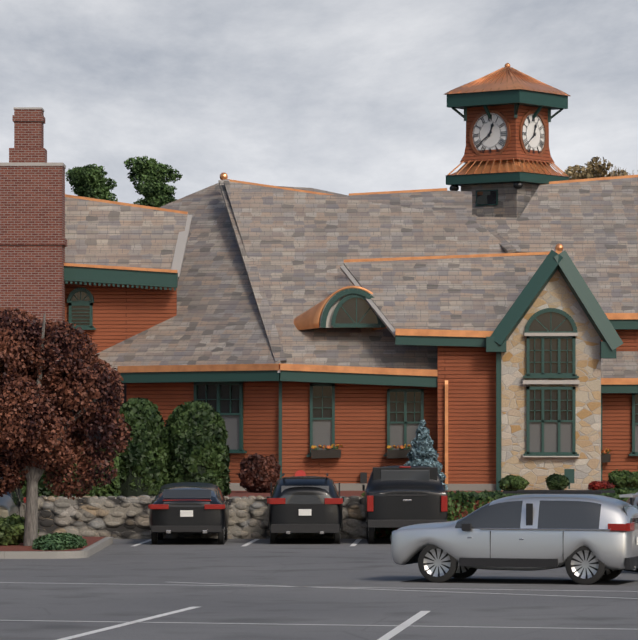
12:39
